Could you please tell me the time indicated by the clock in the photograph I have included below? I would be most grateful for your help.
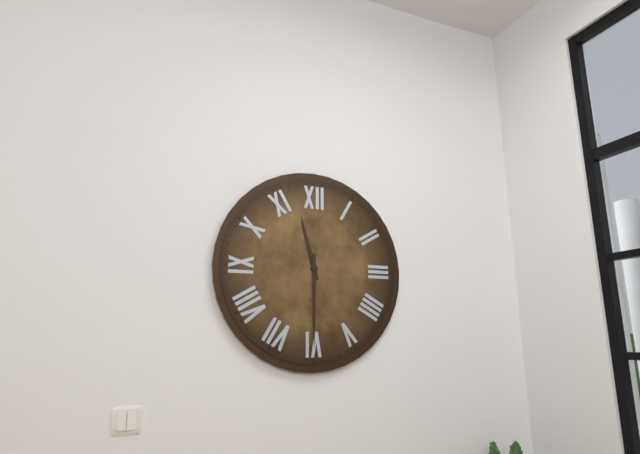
11:30
